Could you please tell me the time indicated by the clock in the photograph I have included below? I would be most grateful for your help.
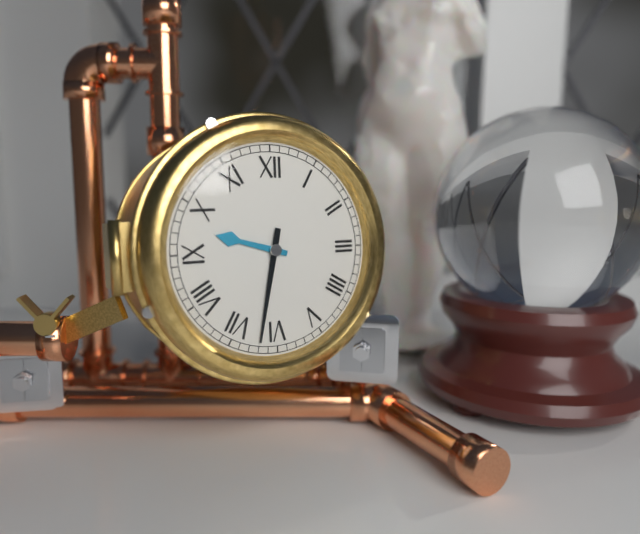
9:32
